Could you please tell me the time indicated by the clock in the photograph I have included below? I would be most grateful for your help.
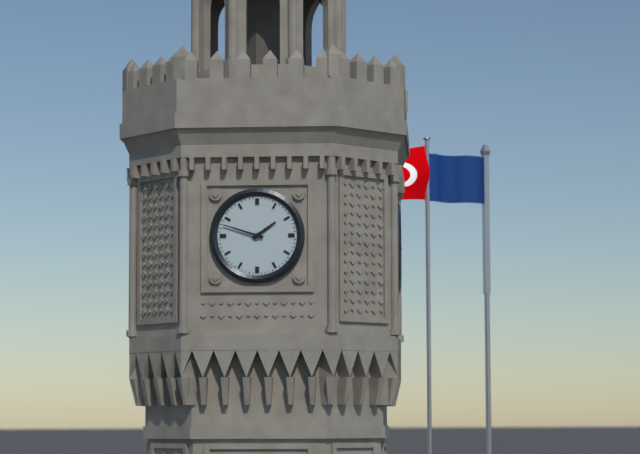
1:48
